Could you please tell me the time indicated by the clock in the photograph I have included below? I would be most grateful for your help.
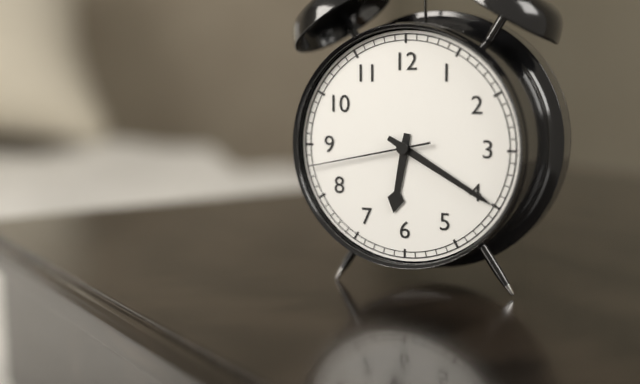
6:20:43
